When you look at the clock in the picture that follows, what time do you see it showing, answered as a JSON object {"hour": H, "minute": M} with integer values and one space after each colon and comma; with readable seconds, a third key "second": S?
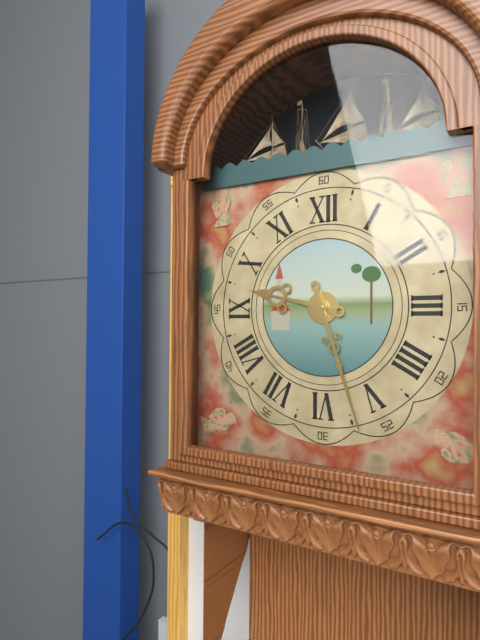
{"hour": 9, "minute": 27}
